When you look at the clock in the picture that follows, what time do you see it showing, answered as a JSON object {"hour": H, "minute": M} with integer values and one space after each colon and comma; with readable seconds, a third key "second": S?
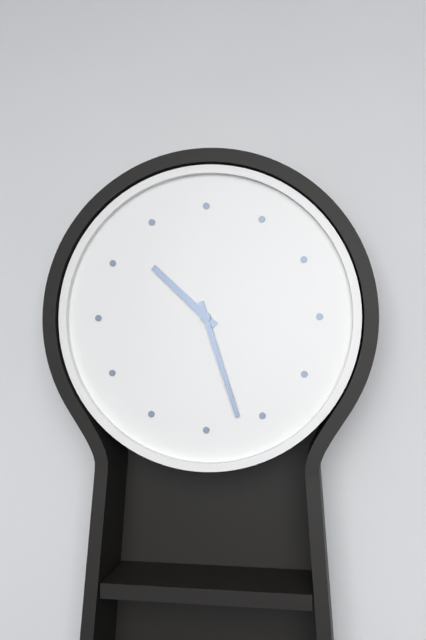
{"hour": 10, "minute": 27}
